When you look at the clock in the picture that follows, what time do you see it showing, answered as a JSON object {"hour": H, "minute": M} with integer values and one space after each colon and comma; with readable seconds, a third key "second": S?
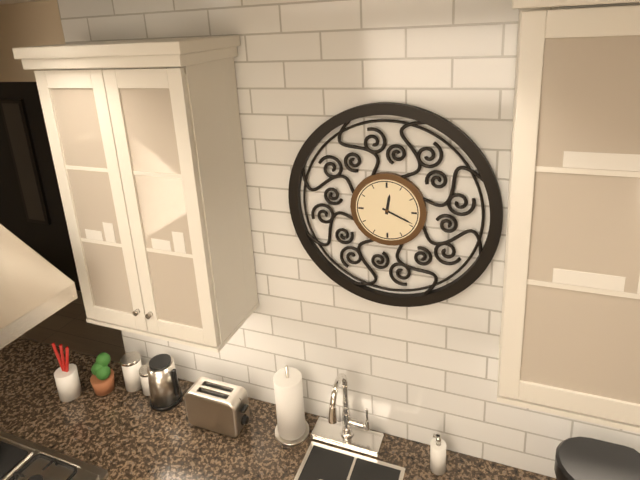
{"hour": 12, "minute": 19}
